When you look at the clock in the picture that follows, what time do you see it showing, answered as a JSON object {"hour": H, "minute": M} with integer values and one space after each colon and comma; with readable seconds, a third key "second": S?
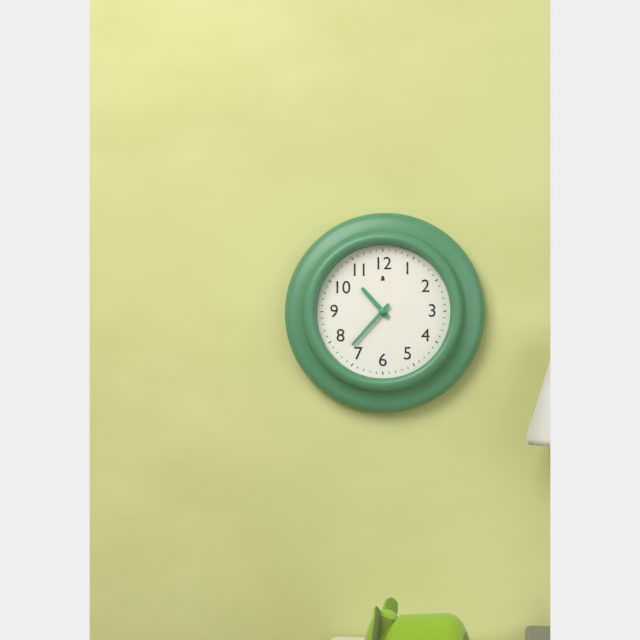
{"hour": 10, "minute": 37}
